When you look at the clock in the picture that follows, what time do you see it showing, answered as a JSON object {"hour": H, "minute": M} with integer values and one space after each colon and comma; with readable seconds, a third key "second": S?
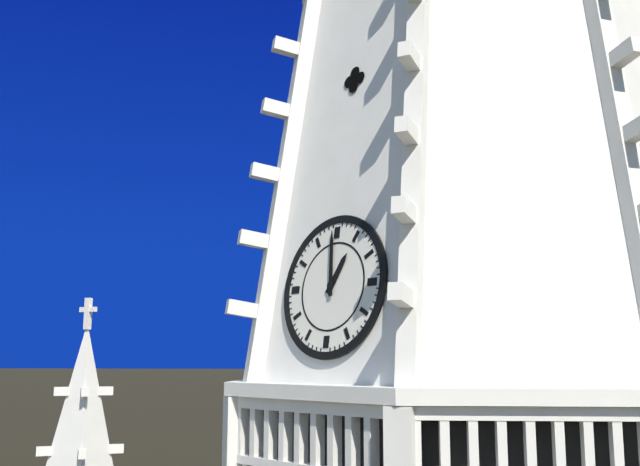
{"hour": 12, "minute": 59}
